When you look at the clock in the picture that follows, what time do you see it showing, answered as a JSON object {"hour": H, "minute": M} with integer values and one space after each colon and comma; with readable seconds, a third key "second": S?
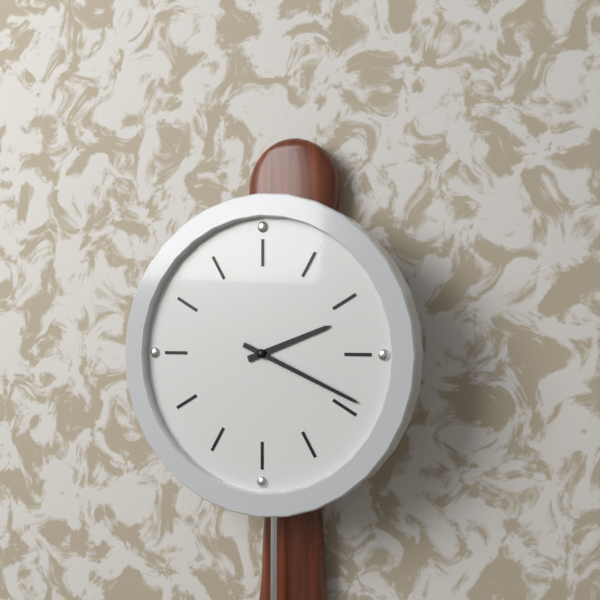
{"hour": 2, "minute": 19}
